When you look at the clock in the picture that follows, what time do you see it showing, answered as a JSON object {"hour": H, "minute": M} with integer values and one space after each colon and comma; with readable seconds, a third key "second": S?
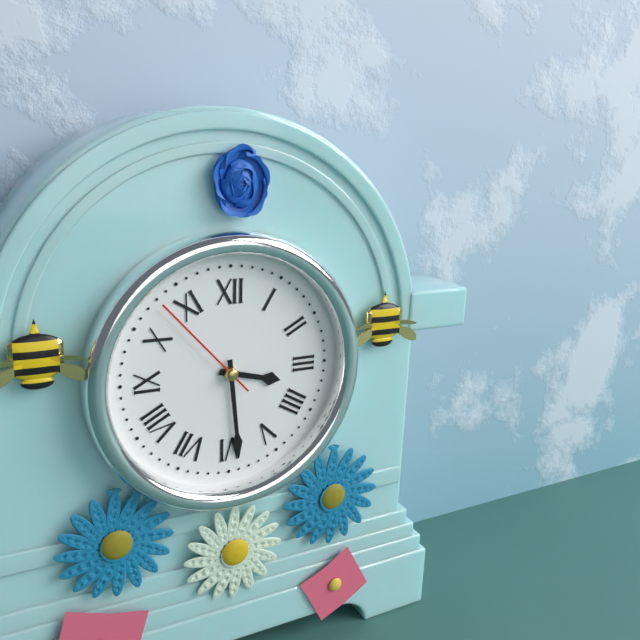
{"hour": 3, "minute": 29, "second": 53}
